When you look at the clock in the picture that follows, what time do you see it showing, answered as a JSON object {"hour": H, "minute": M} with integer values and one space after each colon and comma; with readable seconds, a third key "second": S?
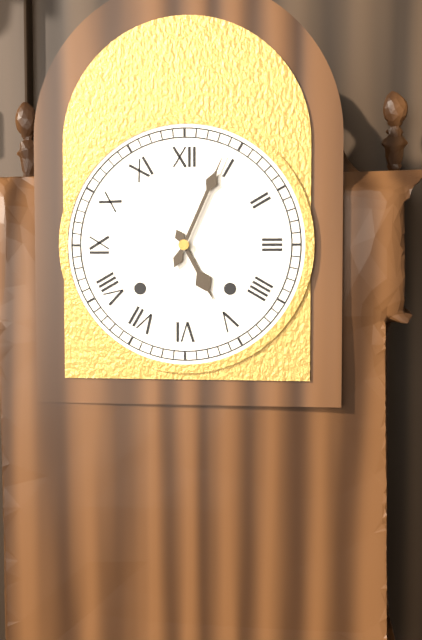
{"hour": 5, "minute": 4}
